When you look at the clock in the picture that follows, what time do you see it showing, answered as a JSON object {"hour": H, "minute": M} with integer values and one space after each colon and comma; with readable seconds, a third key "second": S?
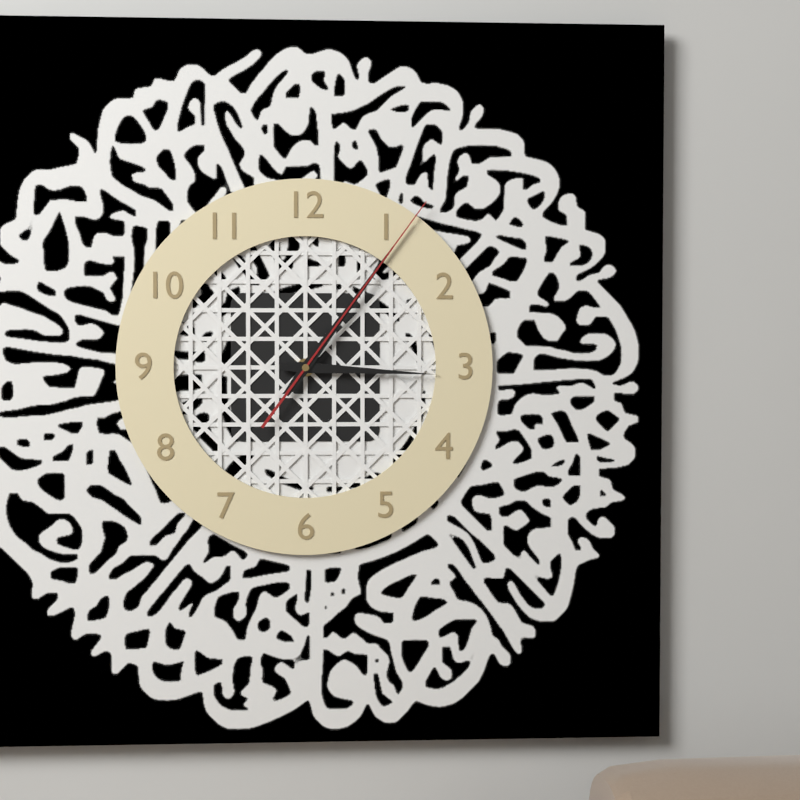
{"hour": 3, "minute": 6, "second": 6}
